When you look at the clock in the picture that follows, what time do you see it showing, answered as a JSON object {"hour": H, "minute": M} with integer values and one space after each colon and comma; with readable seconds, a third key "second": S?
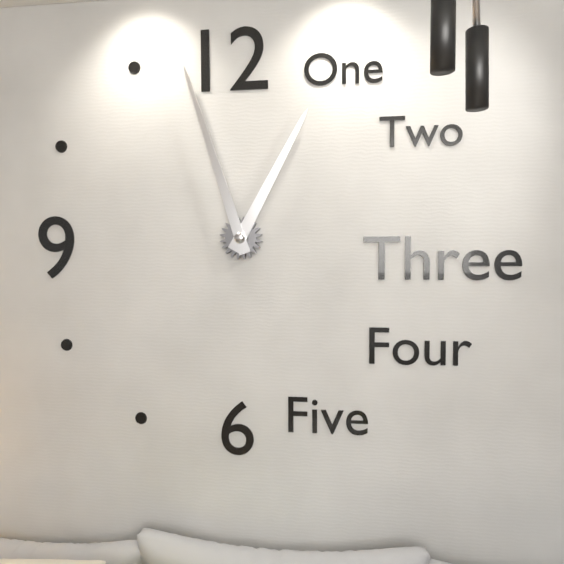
{"hour": 12, "minute": 57}
